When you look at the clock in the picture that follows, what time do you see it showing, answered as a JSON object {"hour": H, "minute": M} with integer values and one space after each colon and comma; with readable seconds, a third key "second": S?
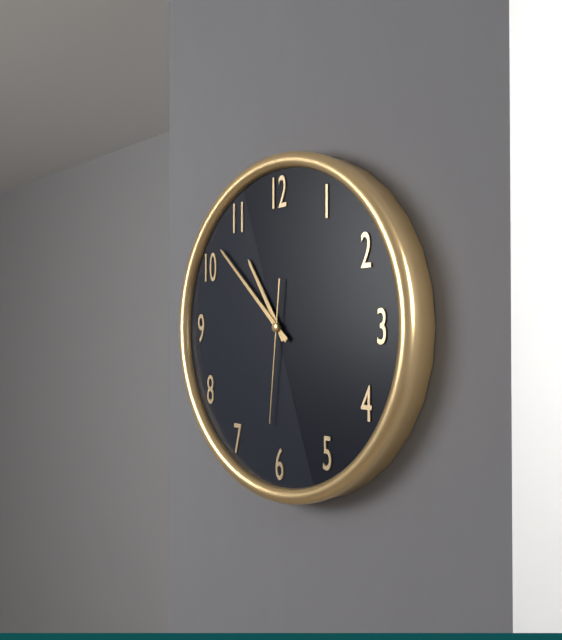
{"hour": 10, "minute": 52, "second": 31}
